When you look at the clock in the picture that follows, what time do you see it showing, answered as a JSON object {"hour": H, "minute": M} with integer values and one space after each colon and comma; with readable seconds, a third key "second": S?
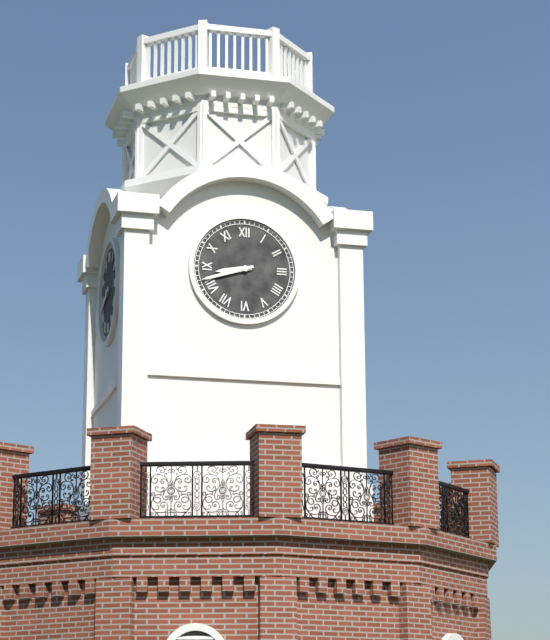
{"hour": 8, "minute": 42}
